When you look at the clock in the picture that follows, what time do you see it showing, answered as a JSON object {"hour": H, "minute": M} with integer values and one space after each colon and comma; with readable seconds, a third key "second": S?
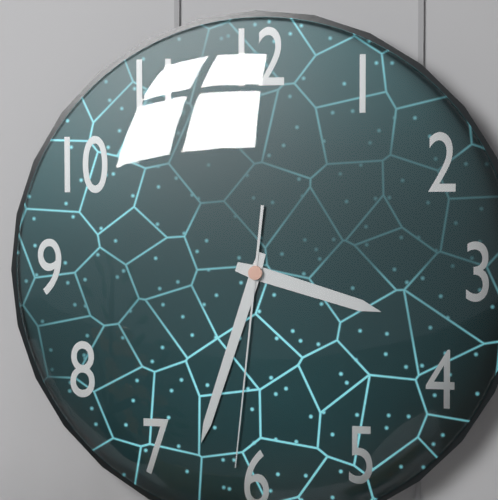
{"hour": 3, "minute": 33, "second": 31}
